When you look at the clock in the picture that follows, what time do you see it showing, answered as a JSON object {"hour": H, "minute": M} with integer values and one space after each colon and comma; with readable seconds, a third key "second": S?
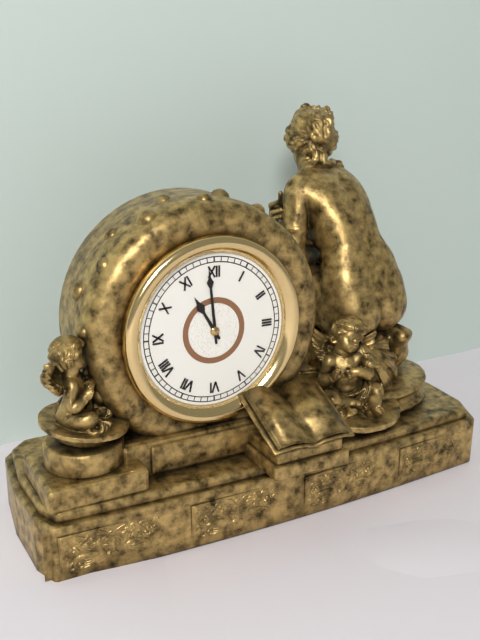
{"hour": 10, "minute": 59}
